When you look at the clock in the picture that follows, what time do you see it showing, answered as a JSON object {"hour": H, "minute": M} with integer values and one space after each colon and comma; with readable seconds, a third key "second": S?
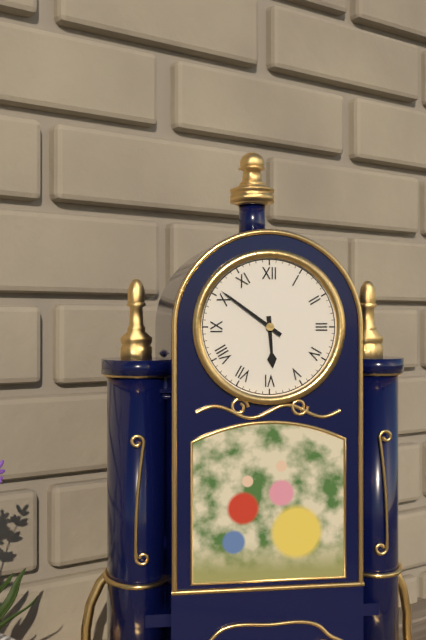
{"hour": 5, "minute": 51}
